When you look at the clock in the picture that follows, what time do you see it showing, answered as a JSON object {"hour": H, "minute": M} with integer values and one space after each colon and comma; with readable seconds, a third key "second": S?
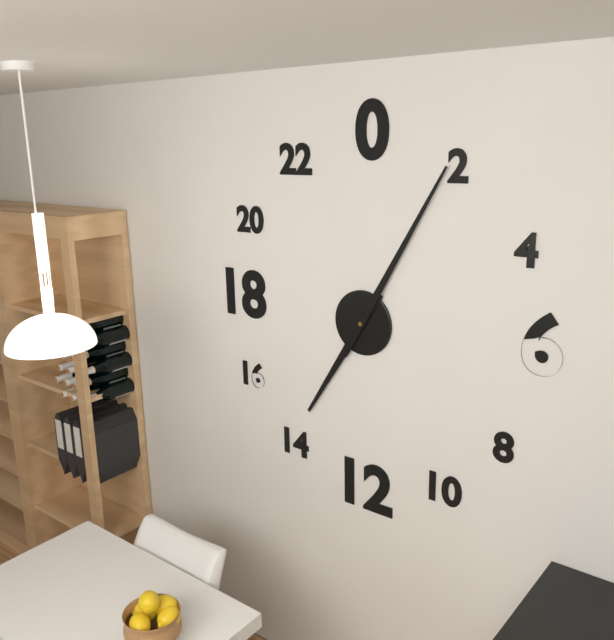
{"hour": 7, "minute": 5}
